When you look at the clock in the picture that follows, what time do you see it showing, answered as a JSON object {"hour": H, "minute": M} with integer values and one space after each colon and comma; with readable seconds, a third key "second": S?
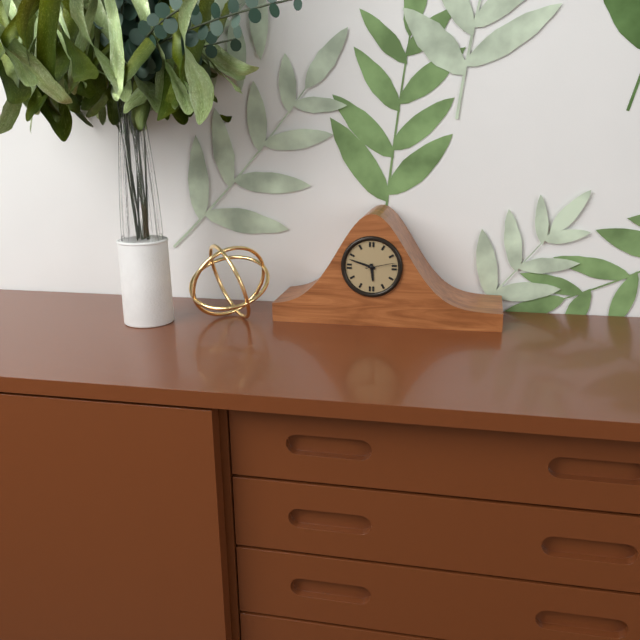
{"hour": 5, "minute": 48}
